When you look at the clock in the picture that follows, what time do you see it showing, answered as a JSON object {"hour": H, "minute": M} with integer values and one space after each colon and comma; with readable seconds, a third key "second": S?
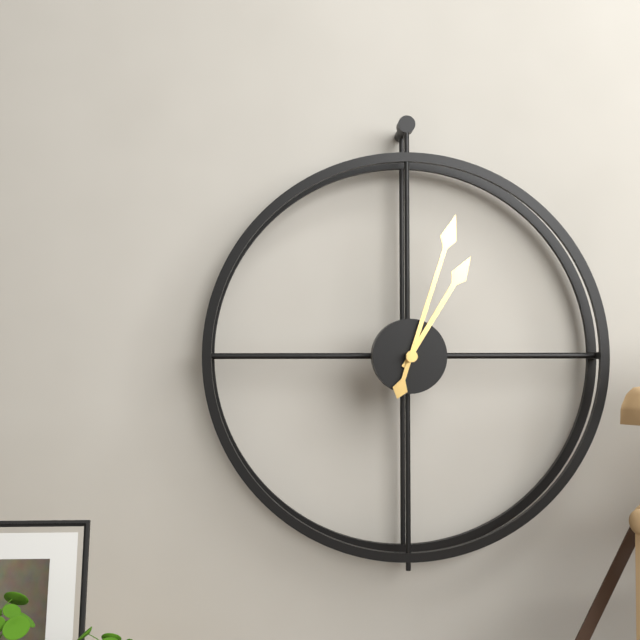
{"hour": 1, "minute": 3}
